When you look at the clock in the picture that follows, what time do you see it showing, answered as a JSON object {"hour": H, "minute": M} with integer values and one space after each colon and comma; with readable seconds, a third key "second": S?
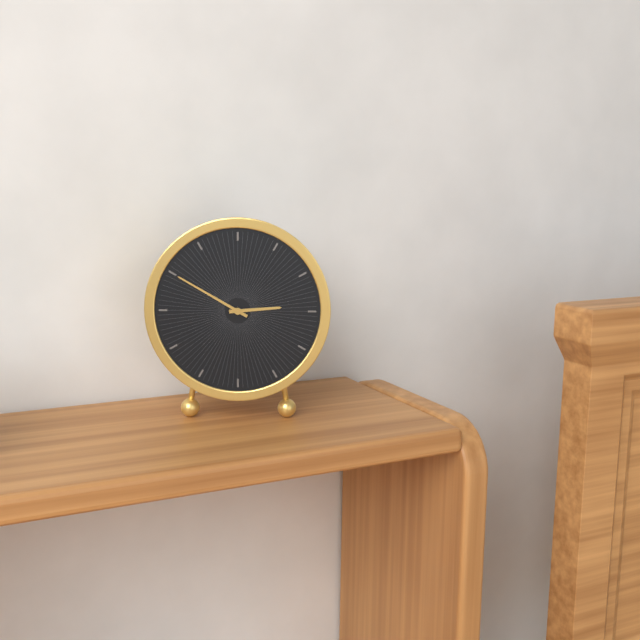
{"hour": 2, "minute": 50}
